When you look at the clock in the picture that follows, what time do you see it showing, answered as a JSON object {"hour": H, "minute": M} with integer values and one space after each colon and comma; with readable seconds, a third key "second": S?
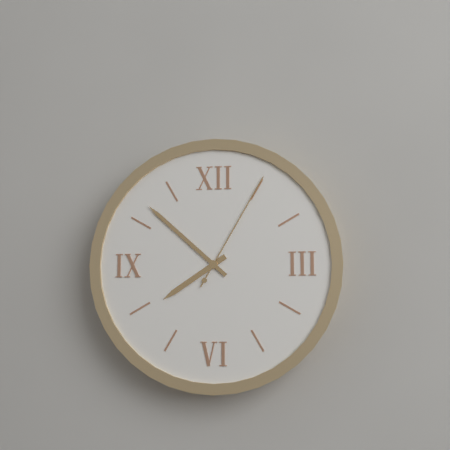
{"hour": 7, "minute": 52, "second": 5}
